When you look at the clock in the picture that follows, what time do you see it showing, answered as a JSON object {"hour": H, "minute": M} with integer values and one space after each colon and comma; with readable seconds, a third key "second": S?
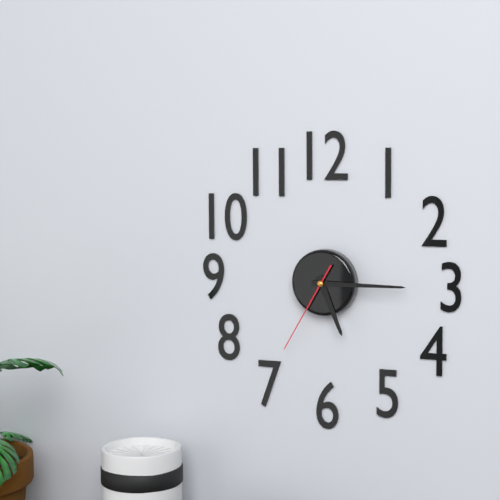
{"hour": 5, "minute": 15, "second": 35}
